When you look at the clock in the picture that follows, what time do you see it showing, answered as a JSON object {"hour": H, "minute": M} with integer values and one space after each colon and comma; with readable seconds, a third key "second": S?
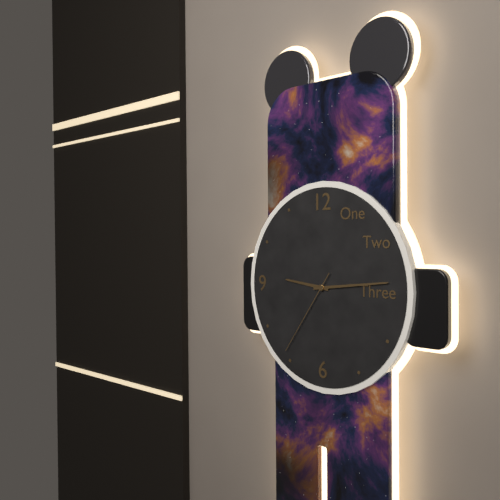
{"hour": 9, "minute": 14, "second": 36}
